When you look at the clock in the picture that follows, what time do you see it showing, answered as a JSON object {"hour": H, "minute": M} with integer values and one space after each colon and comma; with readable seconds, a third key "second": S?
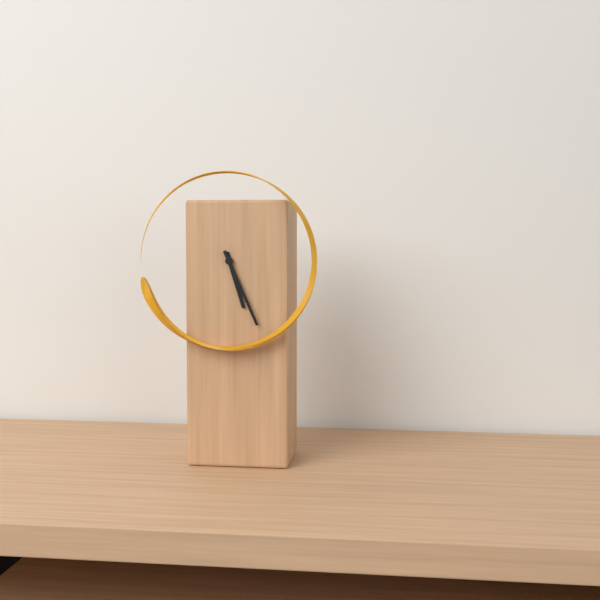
{"hour": 5, "minute": 26}
